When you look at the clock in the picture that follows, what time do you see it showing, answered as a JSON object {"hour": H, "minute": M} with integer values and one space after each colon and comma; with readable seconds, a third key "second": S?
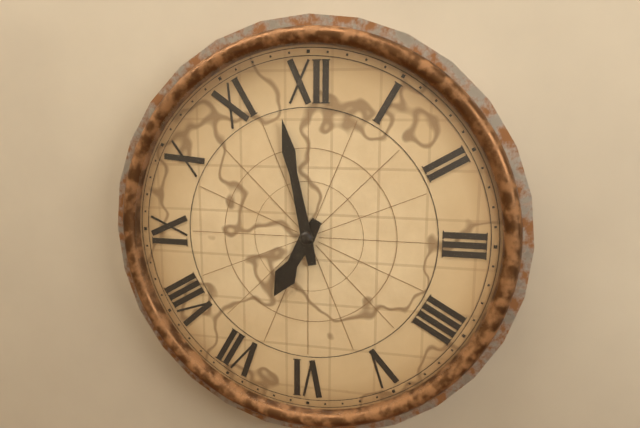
{"hour": 6, "minute": 58}
